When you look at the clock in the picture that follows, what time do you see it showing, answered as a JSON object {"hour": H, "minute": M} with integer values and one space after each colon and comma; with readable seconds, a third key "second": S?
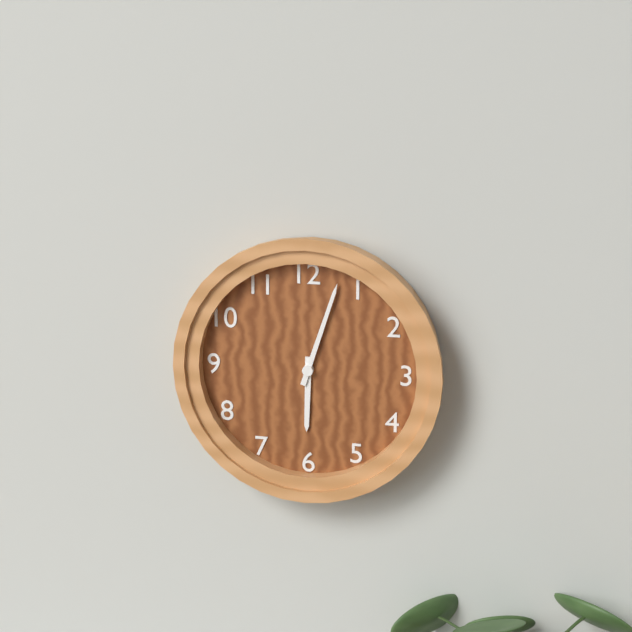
{"hour": 6, "minute": 3}
